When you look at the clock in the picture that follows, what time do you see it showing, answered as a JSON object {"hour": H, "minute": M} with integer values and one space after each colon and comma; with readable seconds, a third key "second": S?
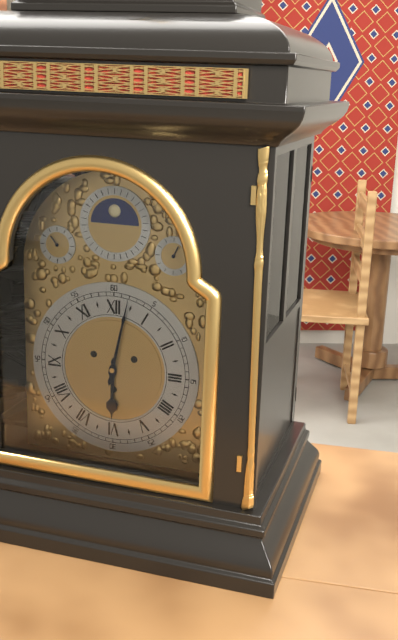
{"hour": 6, "minute": 2}
